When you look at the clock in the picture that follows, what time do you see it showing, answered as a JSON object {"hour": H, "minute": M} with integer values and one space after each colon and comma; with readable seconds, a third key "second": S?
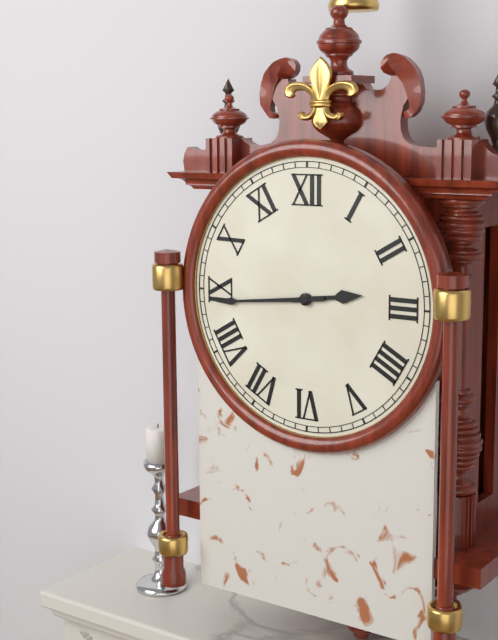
{"hour": 2, "minute": 44}
